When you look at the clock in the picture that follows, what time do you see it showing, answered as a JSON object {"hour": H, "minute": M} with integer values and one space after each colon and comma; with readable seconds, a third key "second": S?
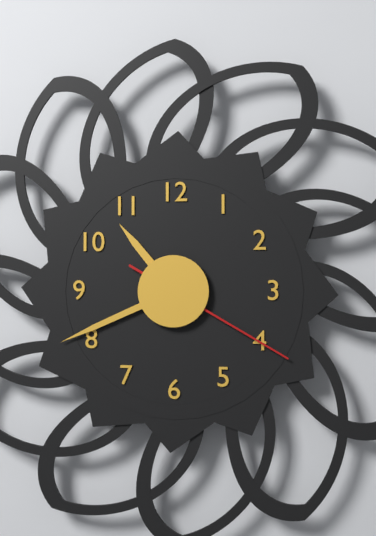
{"hour": 10, "minute": 41, "second": 20}
